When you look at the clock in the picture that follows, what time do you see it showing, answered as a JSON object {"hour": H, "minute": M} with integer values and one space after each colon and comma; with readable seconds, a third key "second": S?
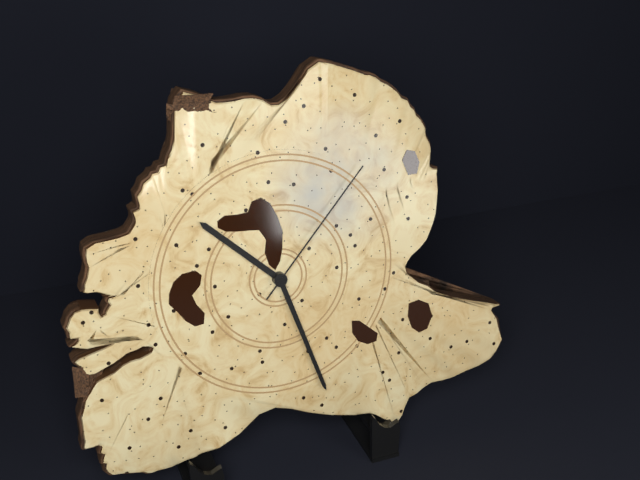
{"hour": 10, "minute": 27, "second": 7}
